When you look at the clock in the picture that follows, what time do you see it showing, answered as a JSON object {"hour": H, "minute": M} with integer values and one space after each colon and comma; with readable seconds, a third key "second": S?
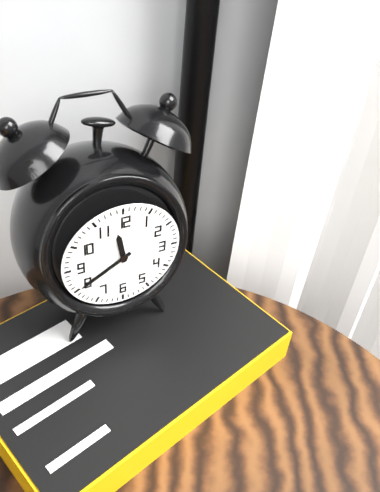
{"hour": 11, "minute": 40}
